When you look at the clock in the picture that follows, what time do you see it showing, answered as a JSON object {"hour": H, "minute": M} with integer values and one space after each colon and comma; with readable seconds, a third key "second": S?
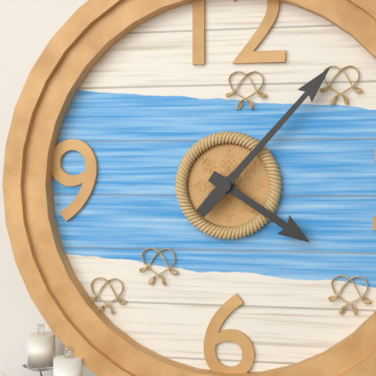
{"hour": 4, "minute": 7}
